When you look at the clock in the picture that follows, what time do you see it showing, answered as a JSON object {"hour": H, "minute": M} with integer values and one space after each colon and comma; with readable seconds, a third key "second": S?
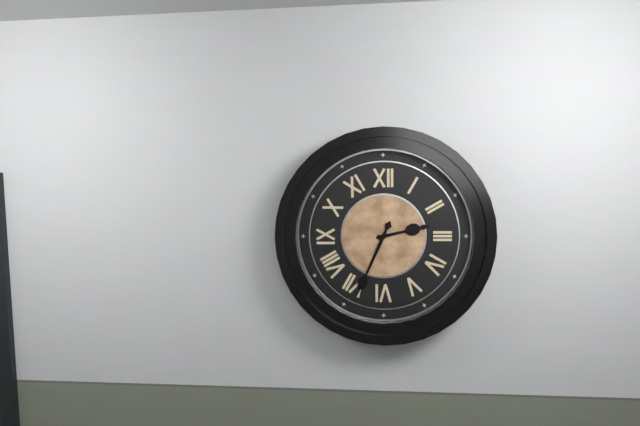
{"hour": 2, "minute": 34}
